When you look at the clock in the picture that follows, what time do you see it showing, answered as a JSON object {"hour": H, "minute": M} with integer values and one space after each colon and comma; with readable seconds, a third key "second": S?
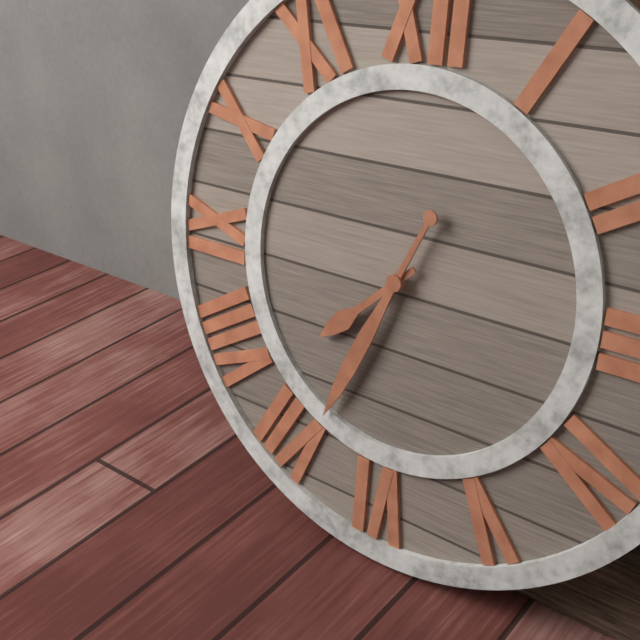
{"hour": 7, "minute": 34}
